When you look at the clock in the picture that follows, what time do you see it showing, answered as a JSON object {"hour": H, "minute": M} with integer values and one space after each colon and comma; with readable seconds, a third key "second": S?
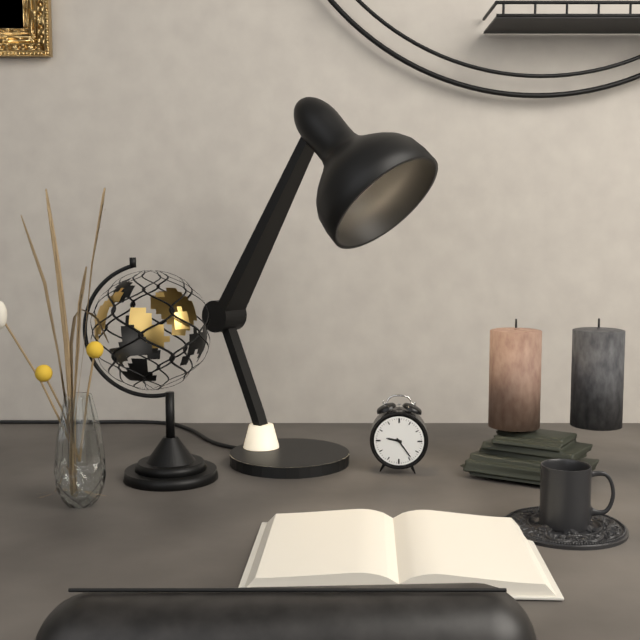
{"hour": 9, "minute": 24}
